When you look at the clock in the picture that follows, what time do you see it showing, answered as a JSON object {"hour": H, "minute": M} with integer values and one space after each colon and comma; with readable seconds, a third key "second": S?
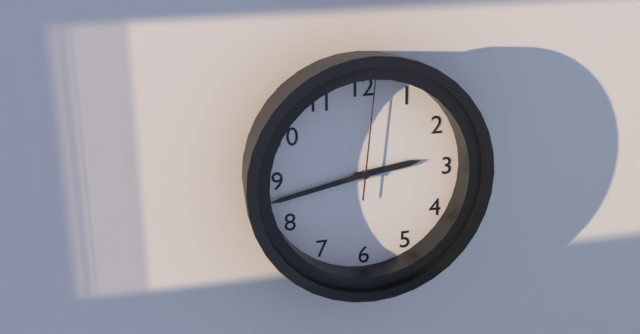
{"hour": 2, "minute": 43, "second": 1}
